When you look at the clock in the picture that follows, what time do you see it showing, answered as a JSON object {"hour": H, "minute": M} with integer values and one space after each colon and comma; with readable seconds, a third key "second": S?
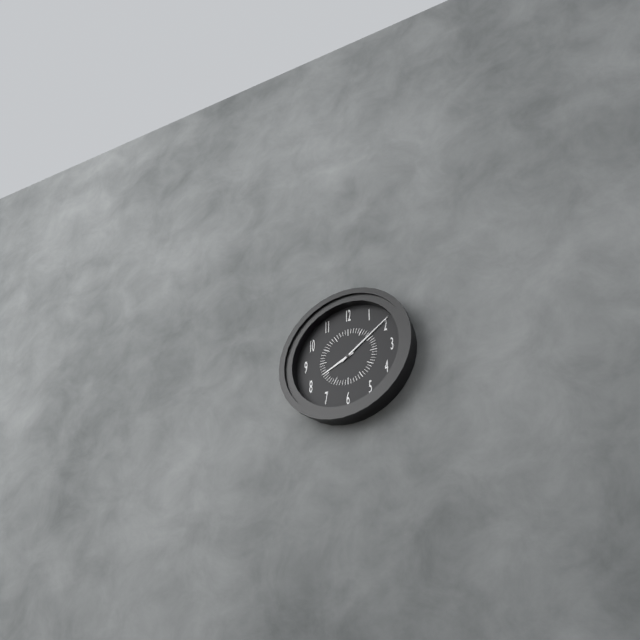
{"hour": 8, "minute": 9}
